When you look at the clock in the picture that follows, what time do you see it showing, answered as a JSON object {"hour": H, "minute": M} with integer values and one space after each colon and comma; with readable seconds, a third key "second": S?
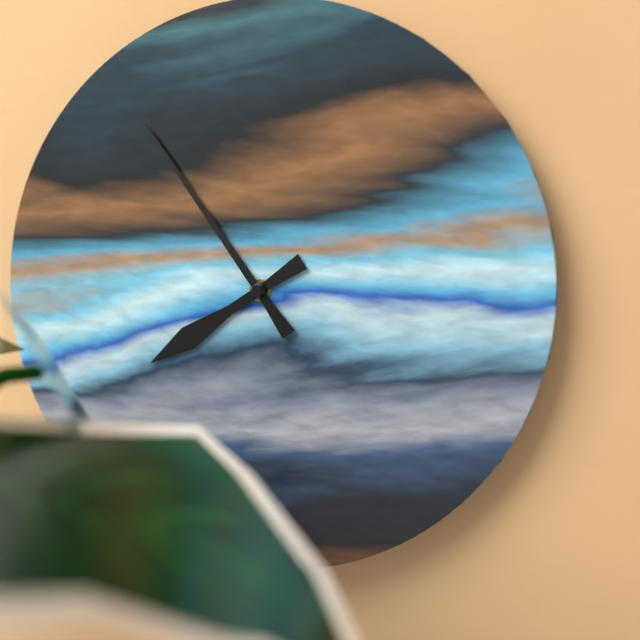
{"hour": 7, "minute": 54}
